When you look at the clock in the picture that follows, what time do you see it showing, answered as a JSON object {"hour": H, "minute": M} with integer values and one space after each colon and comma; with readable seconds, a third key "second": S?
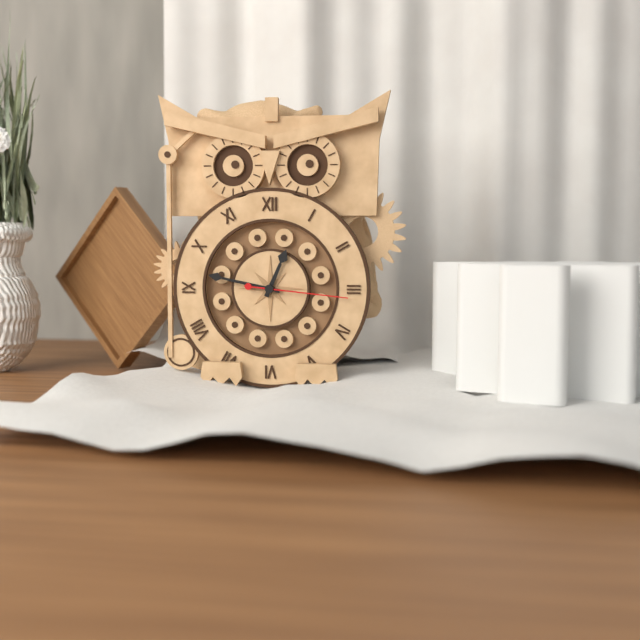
{"hour": 12, "minute": 47, "second": 16}
